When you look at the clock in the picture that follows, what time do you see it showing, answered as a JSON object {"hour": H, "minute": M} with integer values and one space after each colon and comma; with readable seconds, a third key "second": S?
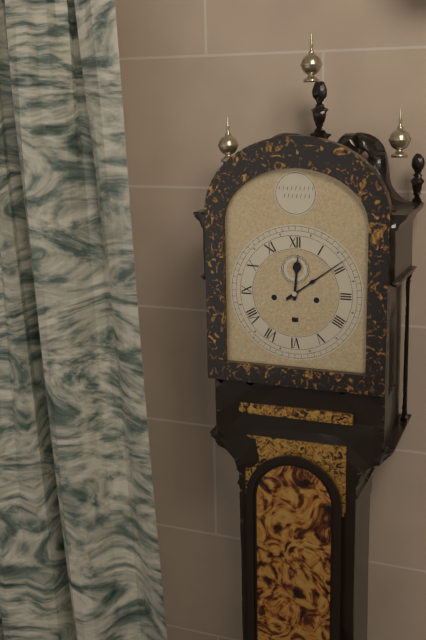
{"hour": 12, "minute": 9}
